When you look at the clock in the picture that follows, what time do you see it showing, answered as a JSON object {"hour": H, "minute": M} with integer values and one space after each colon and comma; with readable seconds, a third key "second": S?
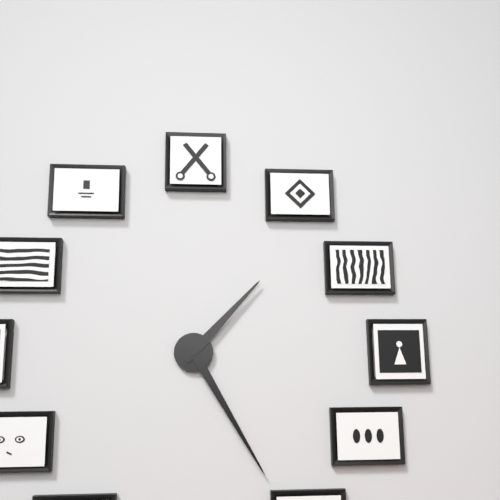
{"hour": 1, "minute": 25}
